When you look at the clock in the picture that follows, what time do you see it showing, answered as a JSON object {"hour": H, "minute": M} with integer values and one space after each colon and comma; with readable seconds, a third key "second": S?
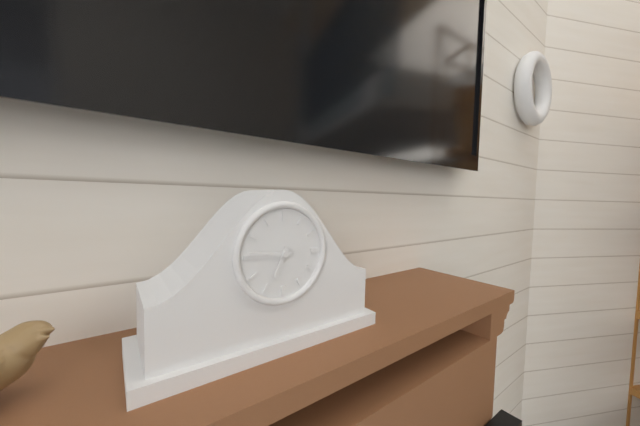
{"hour": 6, "minute": 46}
